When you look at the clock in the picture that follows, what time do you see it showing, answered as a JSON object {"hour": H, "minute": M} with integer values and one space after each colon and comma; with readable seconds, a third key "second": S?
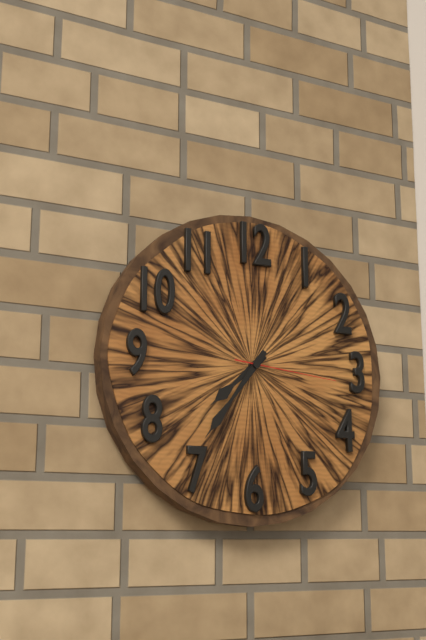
{"hour": 7, "minute": 36, "second": 16}
